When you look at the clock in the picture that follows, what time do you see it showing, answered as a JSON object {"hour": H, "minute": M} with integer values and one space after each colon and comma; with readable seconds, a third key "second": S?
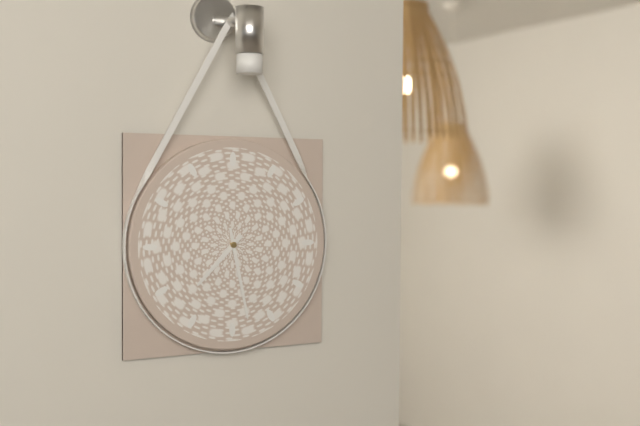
{"hour": 7, "minute": 28}
